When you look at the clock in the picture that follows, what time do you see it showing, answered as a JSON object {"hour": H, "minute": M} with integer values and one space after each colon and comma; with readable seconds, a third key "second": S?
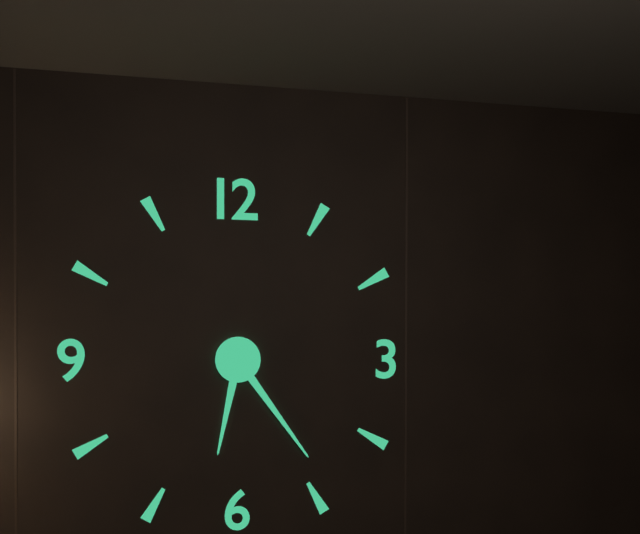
{"hour": 6, "minute": 24}
